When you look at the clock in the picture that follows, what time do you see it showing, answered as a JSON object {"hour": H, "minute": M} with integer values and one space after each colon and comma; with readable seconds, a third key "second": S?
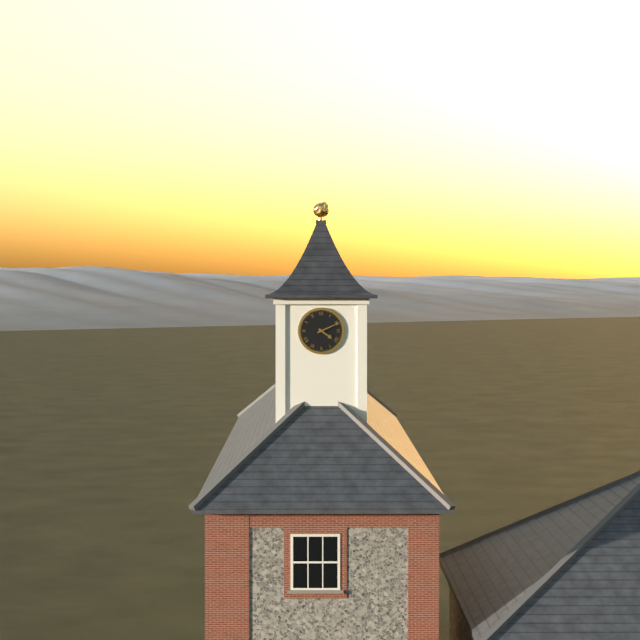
{"hour": 4, "minute": 11}
